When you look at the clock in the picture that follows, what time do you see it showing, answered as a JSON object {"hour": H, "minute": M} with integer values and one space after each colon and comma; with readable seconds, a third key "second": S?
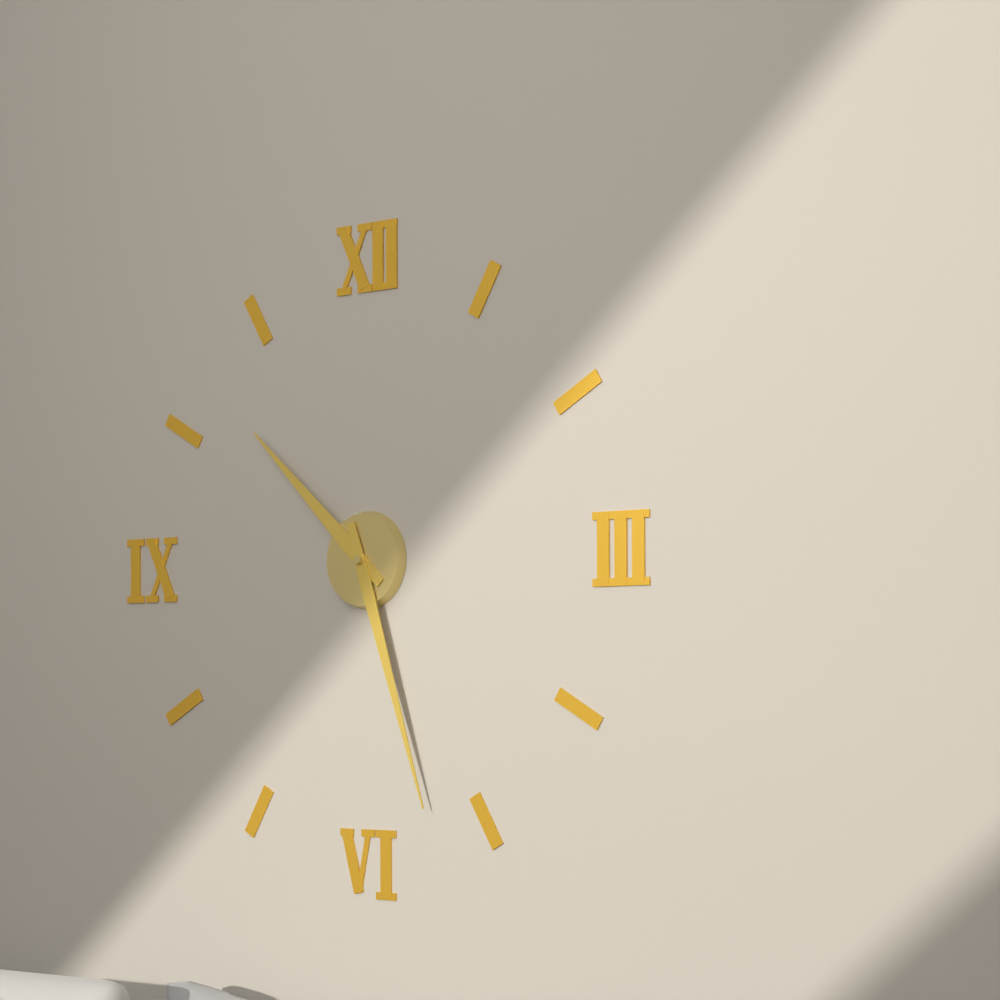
{"hour": 10, "minute": 27}
